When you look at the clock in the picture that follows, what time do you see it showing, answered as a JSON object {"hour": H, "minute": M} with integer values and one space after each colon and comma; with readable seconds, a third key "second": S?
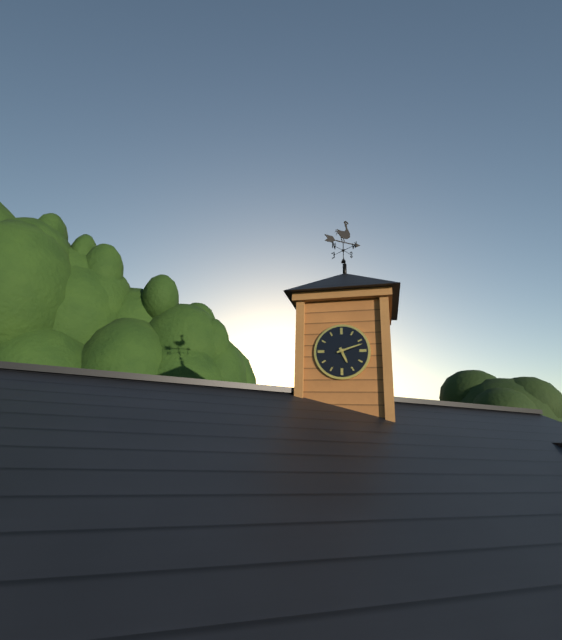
{"hour": 5, "minute": 12}
